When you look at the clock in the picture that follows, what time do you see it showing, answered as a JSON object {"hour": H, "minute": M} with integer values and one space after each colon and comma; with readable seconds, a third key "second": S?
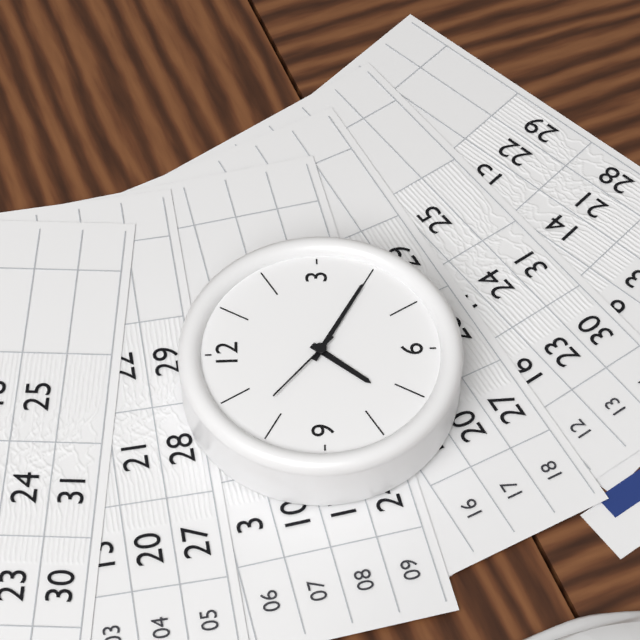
{"hour": 7, "minute": 20, "second": 52}
